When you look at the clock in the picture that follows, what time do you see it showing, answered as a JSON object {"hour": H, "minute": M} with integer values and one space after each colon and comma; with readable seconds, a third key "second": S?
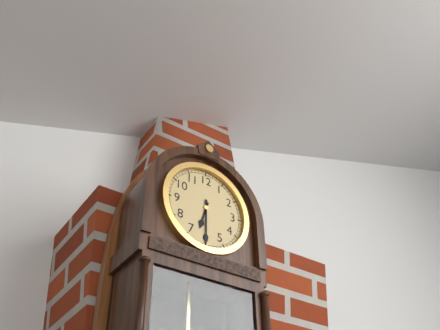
{"hour": 6, "minute": 30}
